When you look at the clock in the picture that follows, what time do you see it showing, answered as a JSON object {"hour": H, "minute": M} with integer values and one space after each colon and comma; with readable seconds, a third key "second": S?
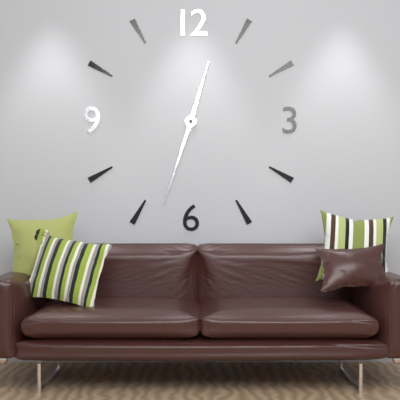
{"hour": 12, "minute": 33}
